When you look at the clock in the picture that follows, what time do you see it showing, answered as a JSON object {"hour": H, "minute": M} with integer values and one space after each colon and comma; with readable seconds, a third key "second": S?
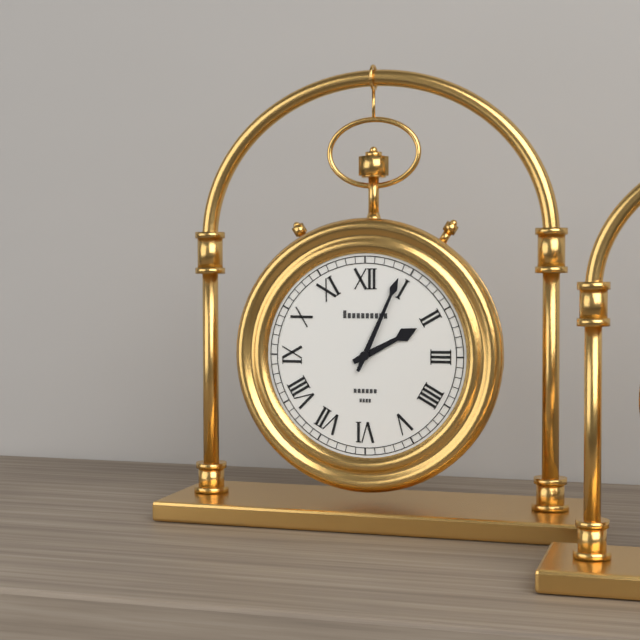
{"hour": 2, "minute": 4}
